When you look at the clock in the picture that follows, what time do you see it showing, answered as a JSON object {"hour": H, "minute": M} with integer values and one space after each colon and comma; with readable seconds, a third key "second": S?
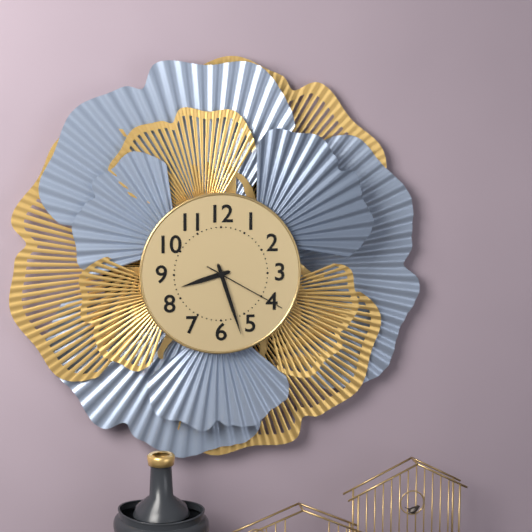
{"hour": 8, "minute": 27, "second": 20}
